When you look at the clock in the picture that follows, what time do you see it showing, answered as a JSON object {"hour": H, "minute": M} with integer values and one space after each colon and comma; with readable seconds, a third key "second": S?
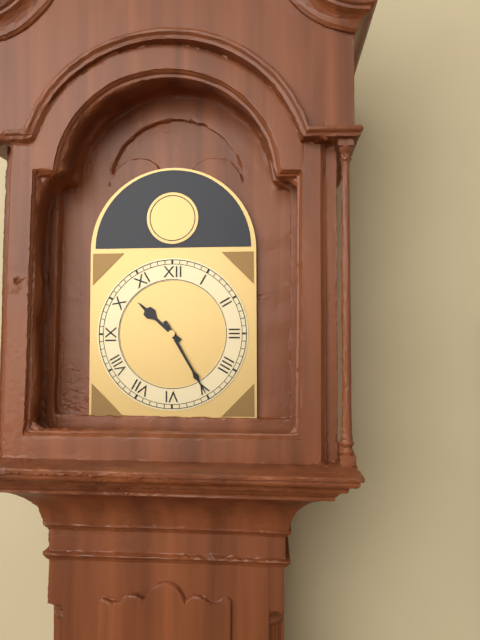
{"hour": 10, "minute": 25}
